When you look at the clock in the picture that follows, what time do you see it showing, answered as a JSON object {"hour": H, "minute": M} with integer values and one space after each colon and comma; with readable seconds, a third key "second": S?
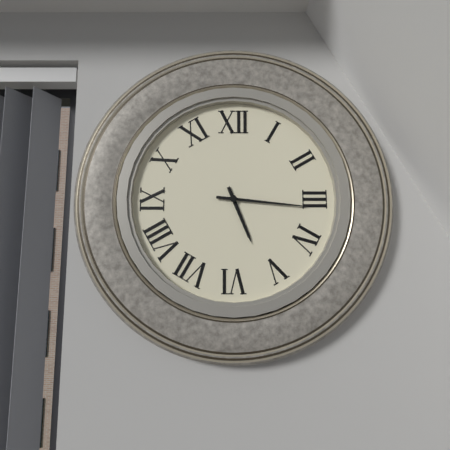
{"hour": 5, "minute": 16}
